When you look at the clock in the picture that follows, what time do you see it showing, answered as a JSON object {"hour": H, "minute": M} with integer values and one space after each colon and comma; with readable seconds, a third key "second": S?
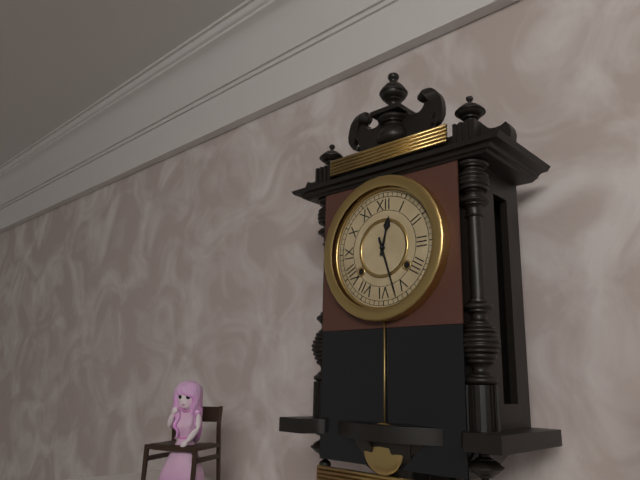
{"hour": 12, "minute": 27}
